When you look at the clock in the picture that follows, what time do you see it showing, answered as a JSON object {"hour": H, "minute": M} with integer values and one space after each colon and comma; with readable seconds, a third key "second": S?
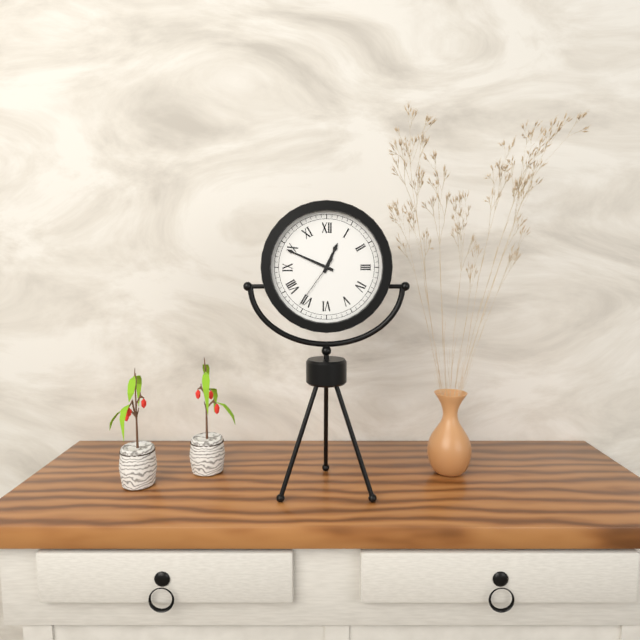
{"hour": 12, "minute": 49, "second": 36}
